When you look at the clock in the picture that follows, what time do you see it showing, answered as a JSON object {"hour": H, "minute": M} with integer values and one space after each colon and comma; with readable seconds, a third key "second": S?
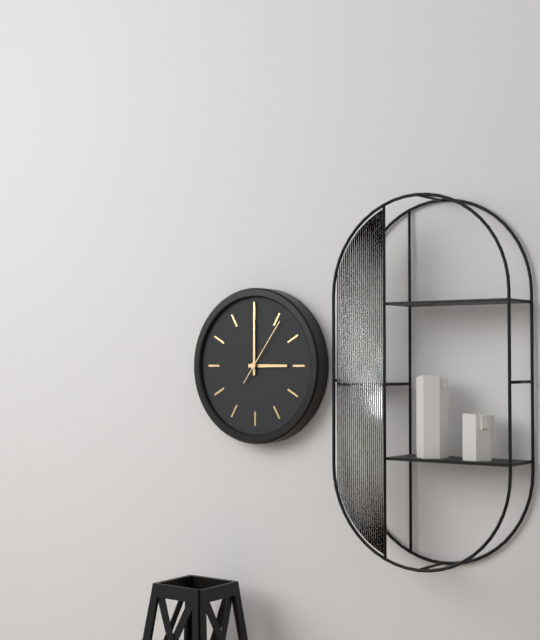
{"hour": 3, "minute": 0, "second": 6}
